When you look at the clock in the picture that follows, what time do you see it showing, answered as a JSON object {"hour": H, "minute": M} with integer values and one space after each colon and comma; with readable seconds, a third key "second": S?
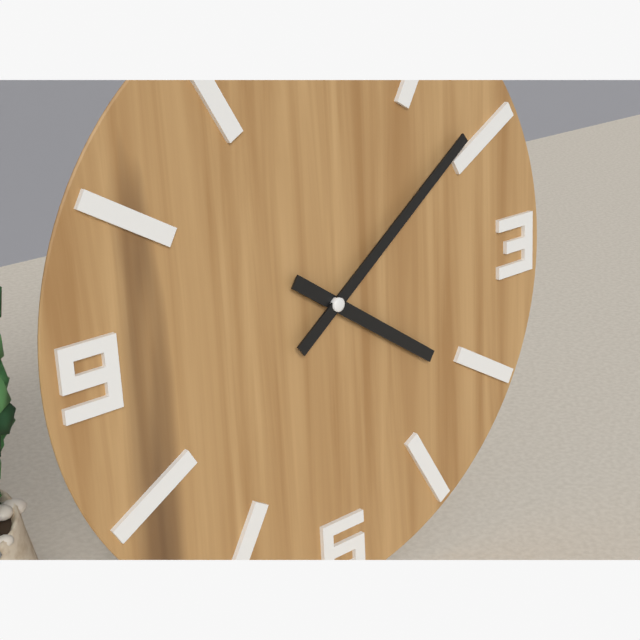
{"hour": 4, "minute": 9}
